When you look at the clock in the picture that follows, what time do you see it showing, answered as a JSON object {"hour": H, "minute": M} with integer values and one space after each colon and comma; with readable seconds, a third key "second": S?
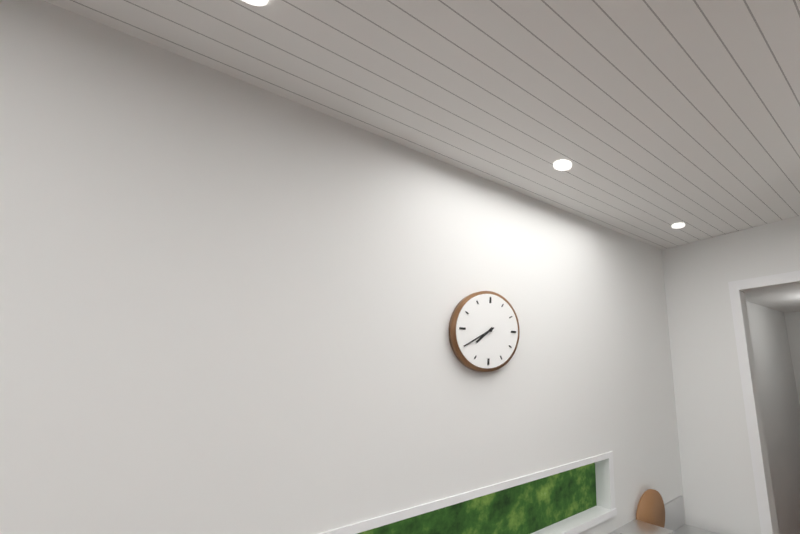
{"hour": 7, "minute": 40}
